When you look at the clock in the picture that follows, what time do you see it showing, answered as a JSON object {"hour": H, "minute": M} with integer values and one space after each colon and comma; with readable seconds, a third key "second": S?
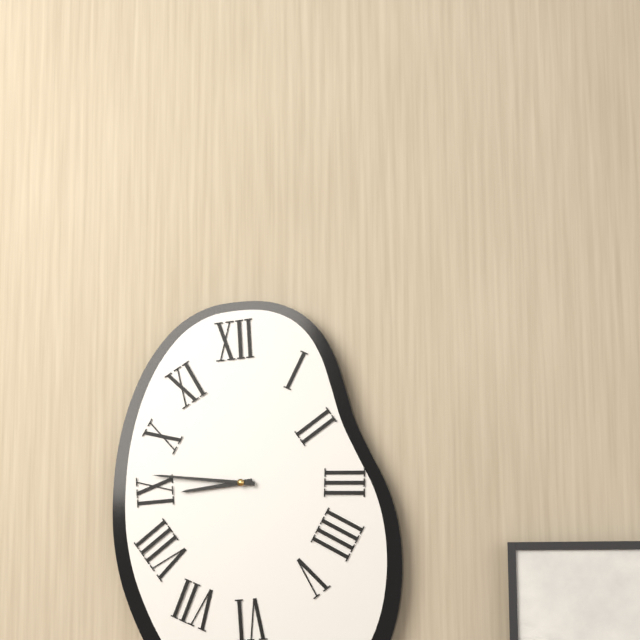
{"hour": 8, "minute": 46}
